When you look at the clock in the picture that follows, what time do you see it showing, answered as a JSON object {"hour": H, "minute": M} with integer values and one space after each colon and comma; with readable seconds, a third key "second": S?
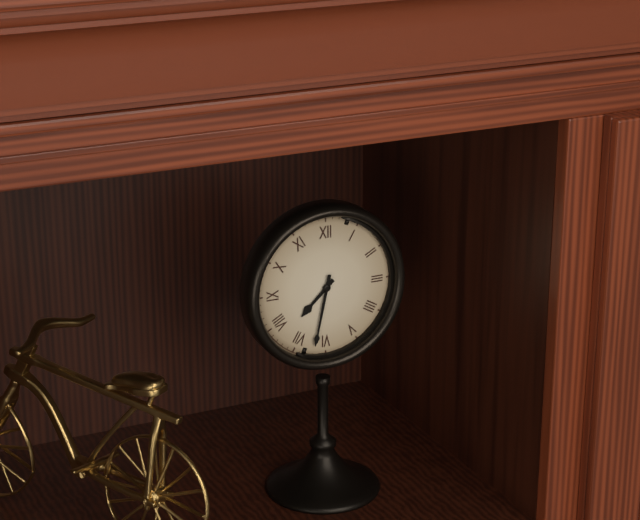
{"hour": 7, "minute": 32}
